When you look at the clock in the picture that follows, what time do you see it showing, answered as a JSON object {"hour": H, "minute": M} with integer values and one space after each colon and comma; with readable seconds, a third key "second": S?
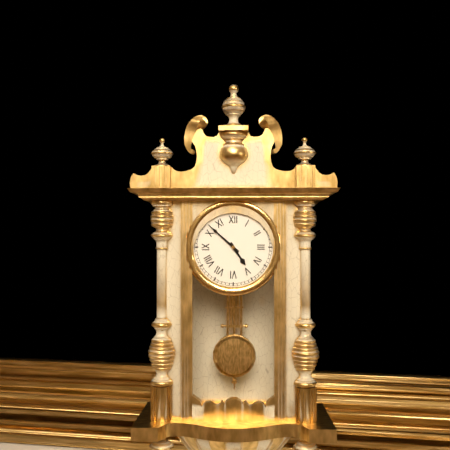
{"hour": 4, "minute": 52}
